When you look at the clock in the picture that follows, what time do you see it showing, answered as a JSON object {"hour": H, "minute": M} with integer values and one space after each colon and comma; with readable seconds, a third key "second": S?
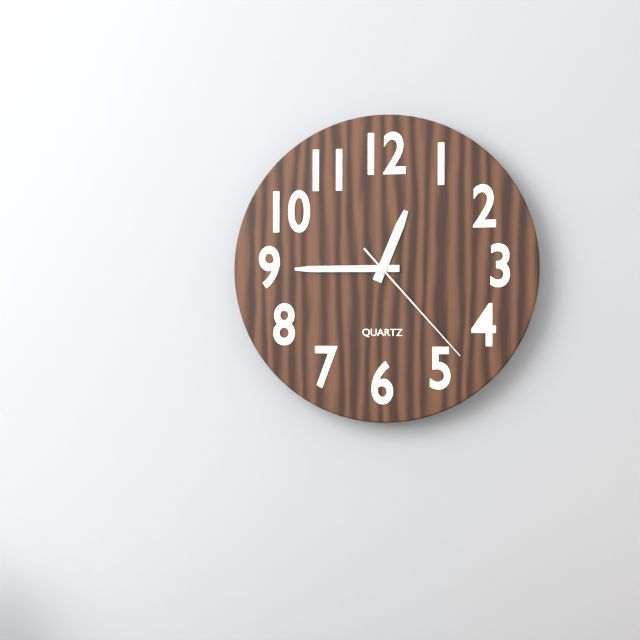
{"hour": 12, "minute": 45, "second": 23}
